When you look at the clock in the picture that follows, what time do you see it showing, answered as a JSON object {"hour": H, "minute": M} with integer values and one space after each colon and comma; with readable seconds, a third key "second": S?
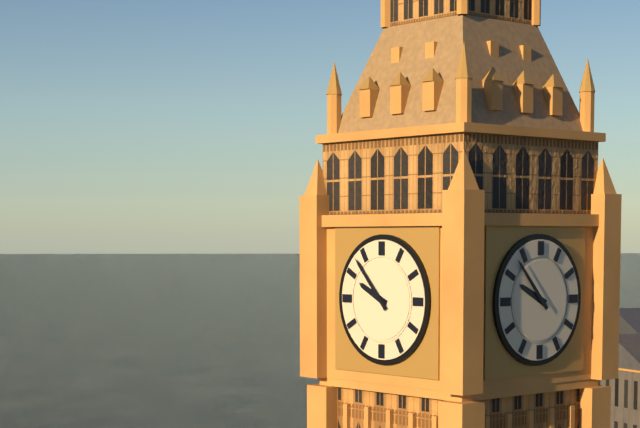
{"hour": 9, "minute": 53}
